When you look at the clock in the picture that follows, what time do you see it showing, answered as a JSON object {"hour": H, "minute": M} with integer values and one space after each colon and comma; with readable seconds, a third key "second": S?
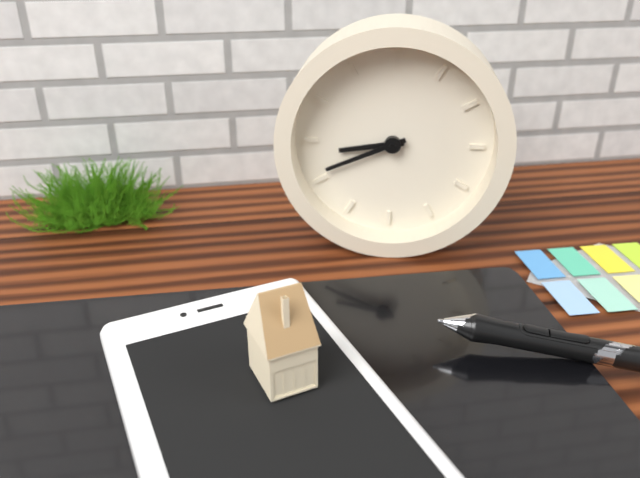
{"hour": 8, "minute": 41}
